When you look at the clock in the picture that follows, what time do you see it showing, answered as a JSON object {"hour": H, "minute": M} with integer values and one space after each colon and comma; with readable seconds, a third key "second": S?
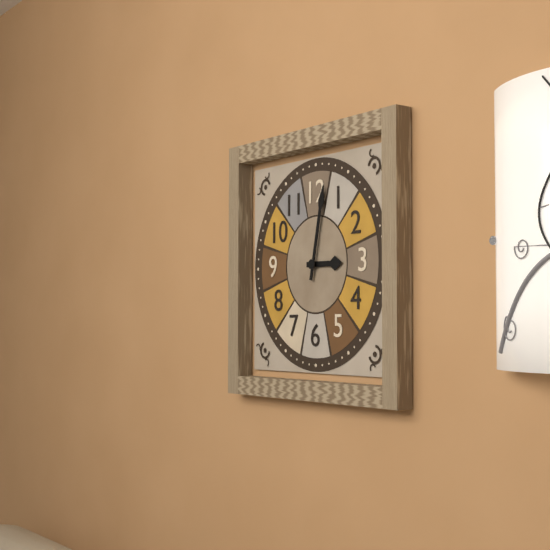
{"hour": 3, "minute": 2}
